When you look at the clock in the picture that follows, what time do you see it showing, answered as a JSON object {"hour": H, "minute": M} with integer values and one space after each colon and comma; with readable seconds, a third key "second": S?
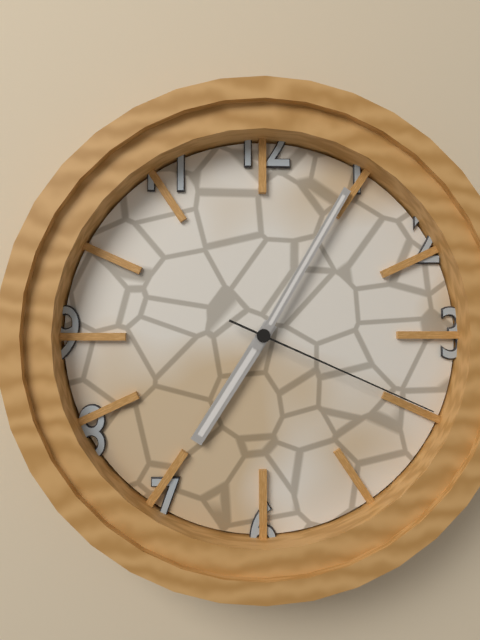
{"hour": 7, "minute": 5, "second": 19}
